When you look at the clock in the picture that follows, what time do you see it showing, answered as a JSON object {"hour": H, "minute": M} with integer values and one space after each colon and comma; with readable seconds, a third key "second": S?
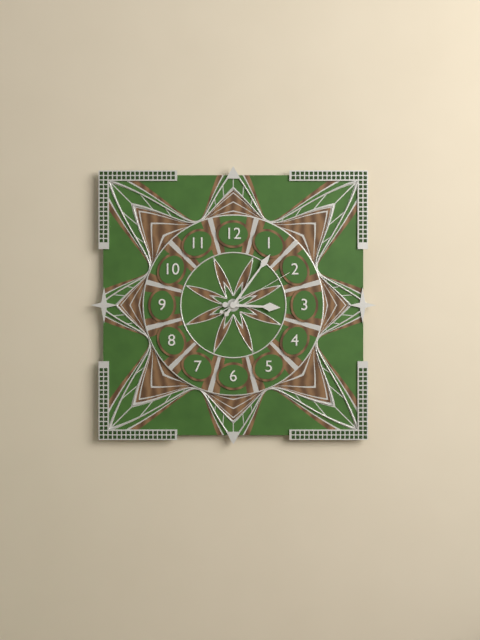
{"hour": 3, "minute": 6, "second": 10}
